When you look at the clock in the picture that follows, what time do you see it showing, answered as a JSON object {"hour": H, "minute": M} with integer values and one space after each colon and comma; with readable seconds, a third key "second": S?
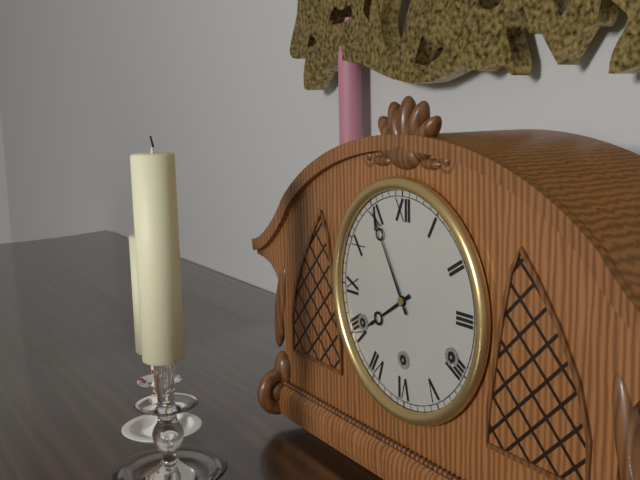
{"hour": 7, "minute": 55}
